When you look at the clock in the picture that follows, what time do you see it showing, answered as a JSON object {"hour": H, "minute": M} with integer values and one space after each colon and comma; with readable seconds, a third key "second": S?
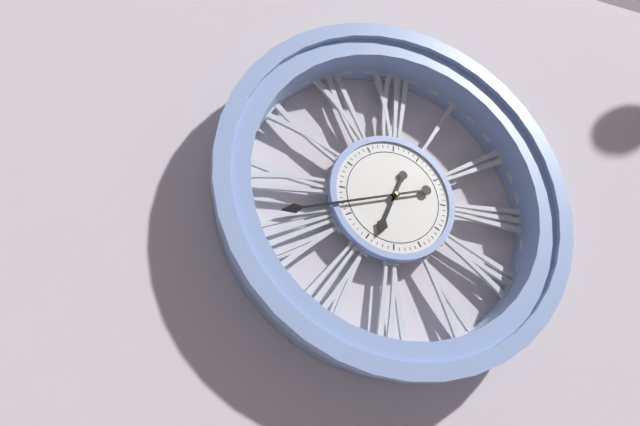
{"hour": 6, "minute": 42}
